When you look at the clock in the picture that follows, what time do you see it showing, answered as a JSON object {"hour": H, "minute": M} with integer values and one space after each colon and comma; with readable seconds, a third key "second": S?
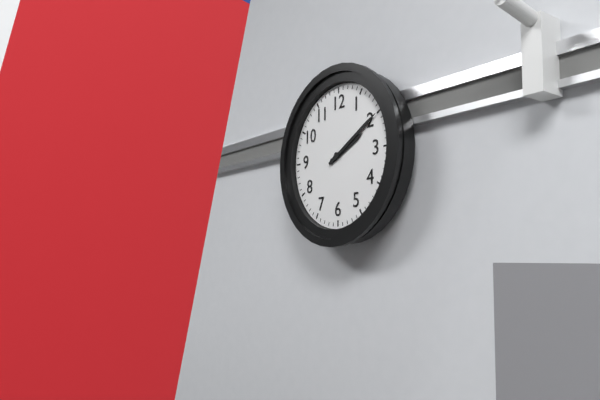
{"hour": 2, "minute": 10}
